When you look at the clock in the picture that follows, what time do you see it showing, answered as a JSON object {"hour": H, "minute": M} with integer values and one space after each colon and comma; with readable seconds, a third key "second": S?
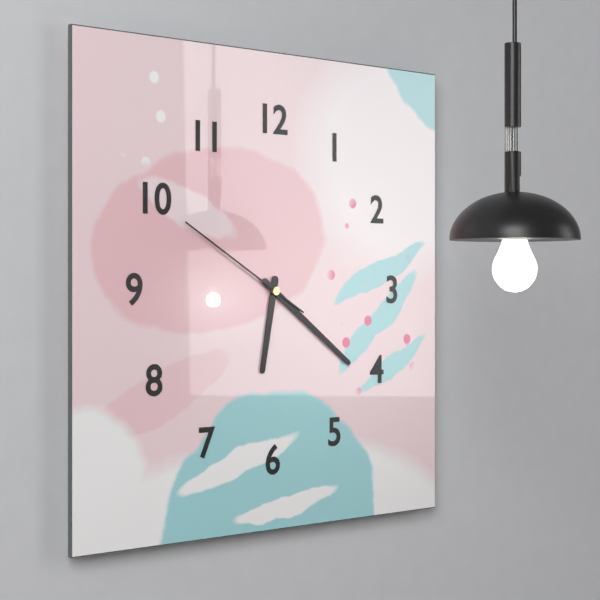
{"hour": 6, "minute": 21, "second": 50}
